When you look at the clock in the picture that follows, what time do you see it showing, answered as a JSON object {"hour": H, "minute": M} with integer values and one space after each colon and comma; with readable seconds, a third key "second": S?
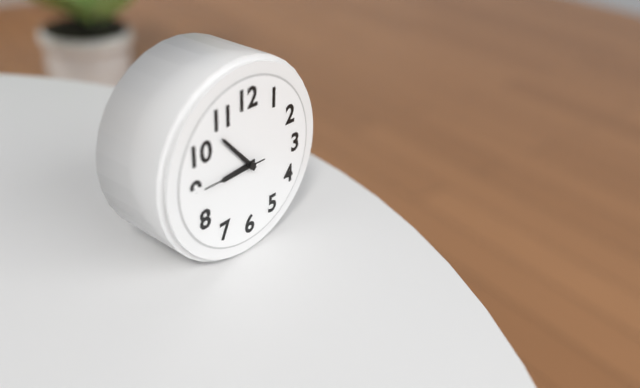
{"hour": 8, "minute": 53, "second": 45}
